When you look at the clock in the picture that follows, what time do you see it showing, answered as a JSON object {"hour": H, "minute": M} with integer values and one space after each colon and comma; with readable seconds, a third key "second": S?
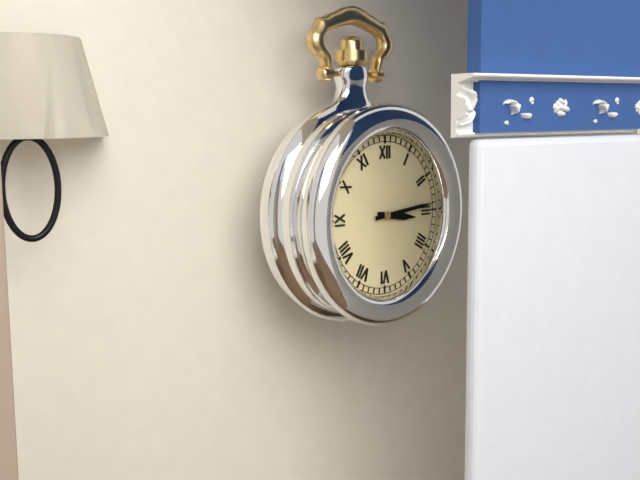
{"hour": 3, "minute": 14}
